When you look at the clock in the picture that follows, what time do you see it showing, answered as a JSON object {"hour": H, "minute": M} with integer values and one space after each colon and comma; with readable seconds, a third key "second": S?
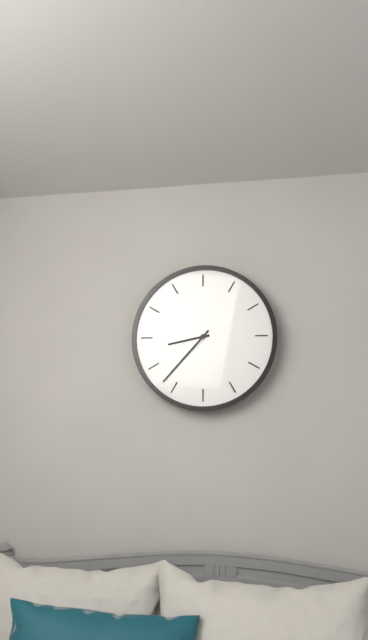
{"hour": 8, "minute": 37}
